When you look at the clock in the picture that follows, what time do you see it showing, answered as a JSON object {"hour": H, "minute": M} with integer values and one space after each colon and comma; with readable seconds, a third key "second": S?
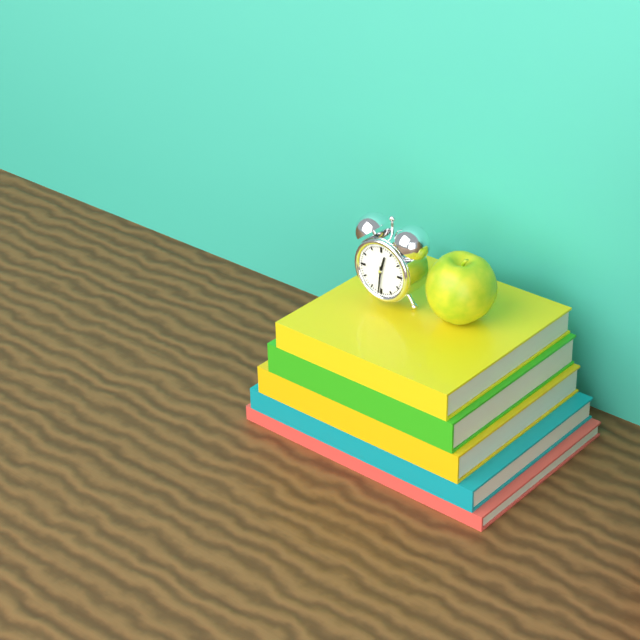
{"hour": 12, "minute": 31}
